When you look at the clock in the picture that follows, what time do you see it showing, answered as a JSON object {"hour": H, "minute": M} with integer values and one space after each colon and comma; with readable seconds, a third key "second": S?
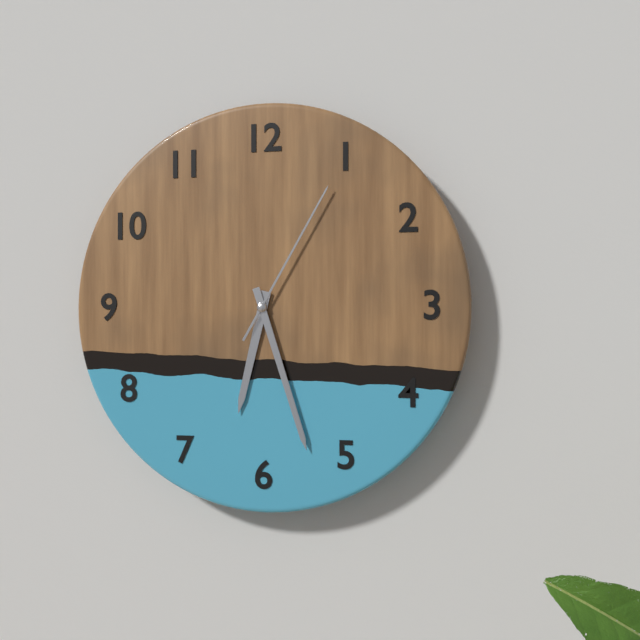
{"hour": 6, "minute": 27, "second": 5}
